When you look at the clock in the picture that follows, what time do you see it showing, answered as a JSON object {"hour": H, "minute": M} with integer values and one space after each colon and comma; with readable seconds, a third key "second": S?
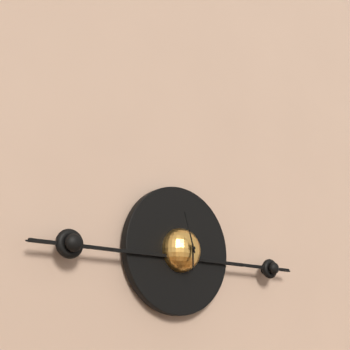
{"hour": 5, "minute": 57}
